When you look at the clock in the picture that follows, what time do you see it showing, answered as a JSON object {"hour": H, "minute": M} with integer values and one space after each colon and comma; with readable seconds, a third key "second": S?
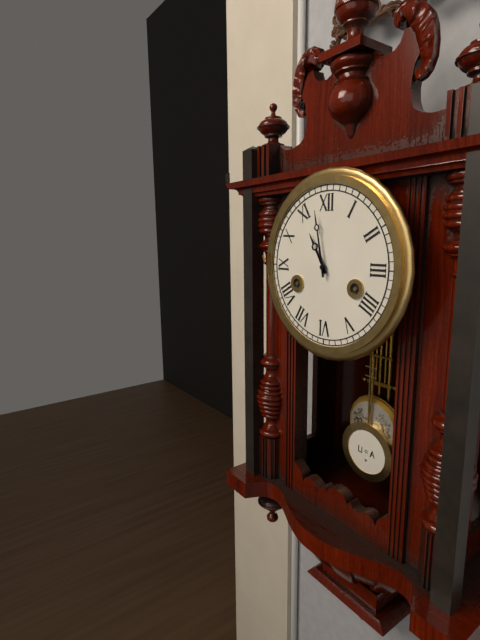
{"hour": 10, "minute": 58}
